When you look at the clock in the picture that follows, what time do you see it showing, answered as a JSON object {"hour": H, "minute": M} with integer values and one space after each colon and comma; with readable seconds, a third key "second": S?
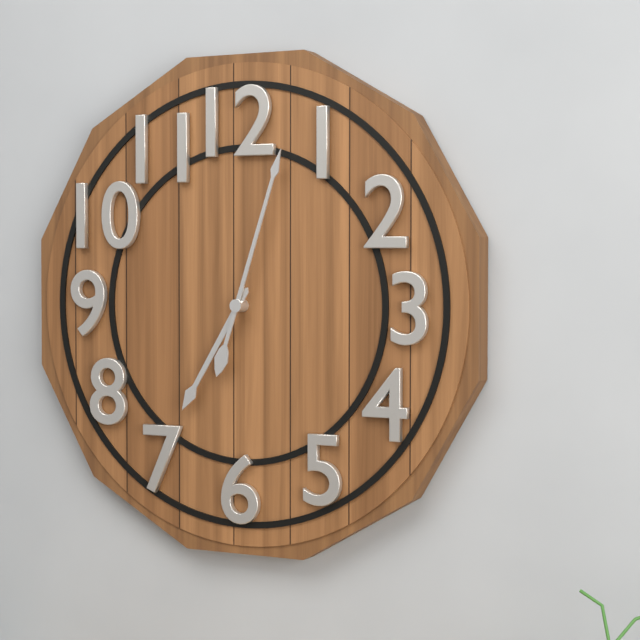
{"hour": 7, "minute": 3}
